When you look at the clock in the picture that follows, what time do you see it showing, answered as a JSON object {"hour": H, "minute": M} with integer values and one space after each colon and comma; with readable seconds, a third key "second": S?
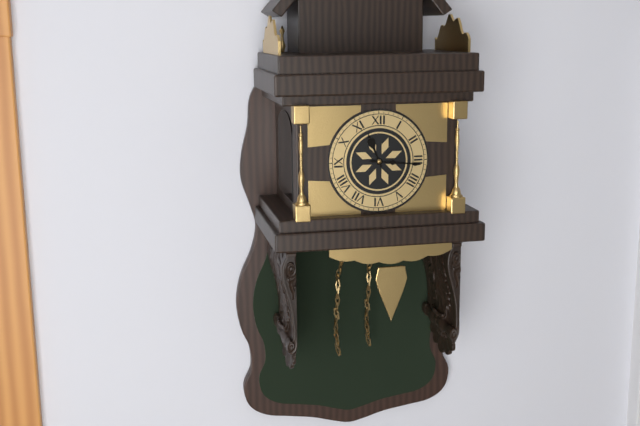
{"hour": 11, "minute": 16}
